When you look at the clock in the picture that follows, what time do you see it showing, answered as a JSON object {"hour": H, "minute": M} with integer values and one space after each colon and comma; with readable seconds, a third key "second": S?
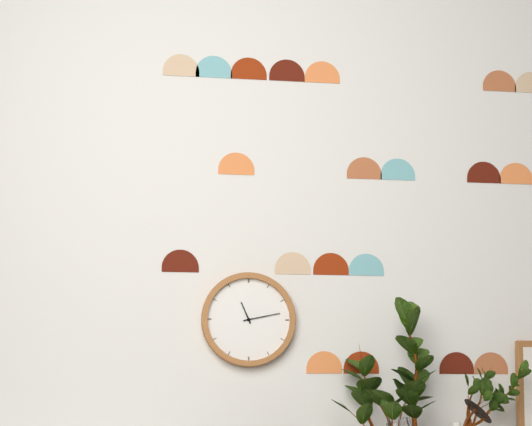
{"hour": 11, "minute": 13}
